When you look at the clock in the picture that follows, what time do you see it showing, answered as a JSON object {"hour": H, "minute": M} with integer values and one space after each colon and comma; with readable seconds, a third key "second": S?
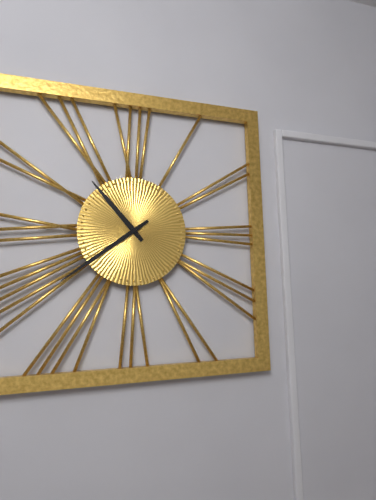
{"hour": 10, "minute": 39}
